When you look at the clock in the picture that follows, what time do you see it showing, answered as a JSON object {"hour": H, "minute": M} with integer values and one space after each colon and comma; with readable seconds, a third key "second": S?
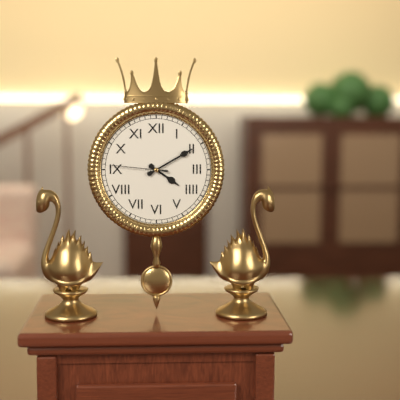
{"hour": 4, "minute": 10, "second": 46}
